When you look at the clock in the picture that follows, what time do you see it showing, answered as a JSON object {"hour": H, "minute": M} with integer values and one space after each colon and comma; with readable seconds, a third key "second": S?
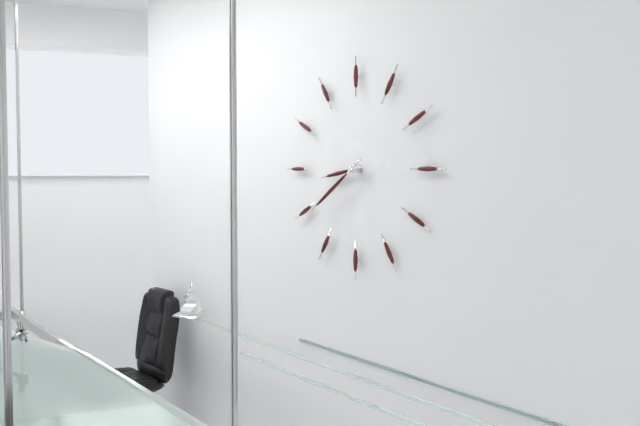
{"hour": 8, "minute": 39}
